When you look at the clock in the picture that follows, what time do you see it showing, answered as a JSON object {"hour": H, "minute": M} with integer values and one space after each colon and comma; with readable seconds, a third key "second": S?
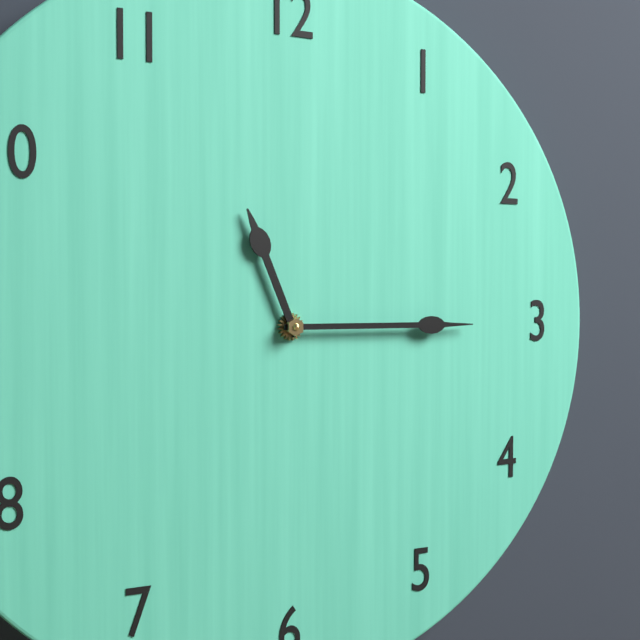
{"hour": 11, "minute": 15}
